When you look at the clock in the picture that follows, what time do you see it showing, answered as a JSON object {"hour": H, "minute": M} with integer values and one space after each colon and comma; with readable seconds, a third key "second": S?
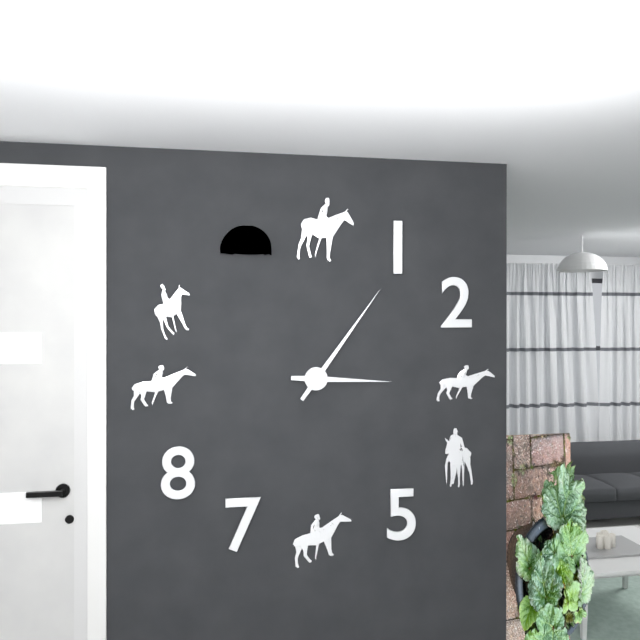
{"hour": 3, "minute": 6}
